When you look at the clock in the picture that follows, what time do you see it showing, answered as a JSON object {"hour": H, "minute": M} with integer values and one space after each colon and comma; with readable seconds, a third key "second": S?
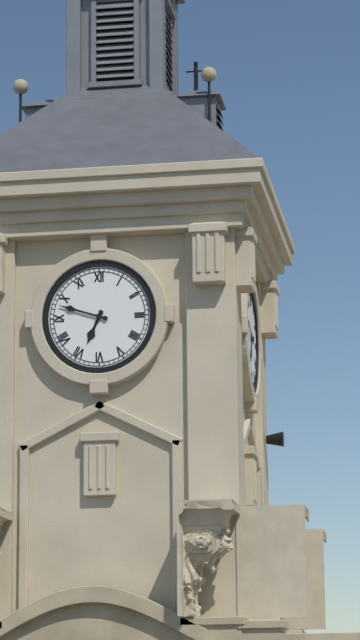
{"hour": 6, "minute": 48}
